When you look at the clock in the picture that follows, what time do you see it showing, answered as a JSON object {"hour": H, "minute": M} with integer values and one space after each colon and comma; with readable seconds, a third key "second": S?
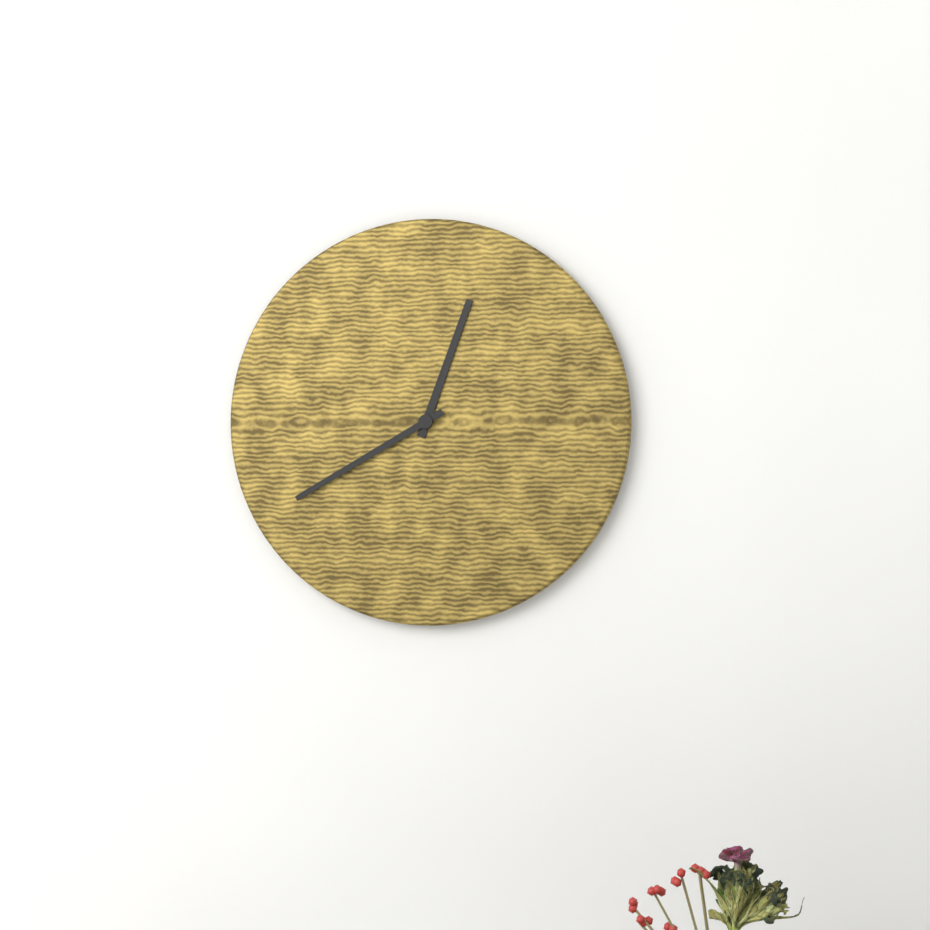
{"hour": 12, "minute": 40}
